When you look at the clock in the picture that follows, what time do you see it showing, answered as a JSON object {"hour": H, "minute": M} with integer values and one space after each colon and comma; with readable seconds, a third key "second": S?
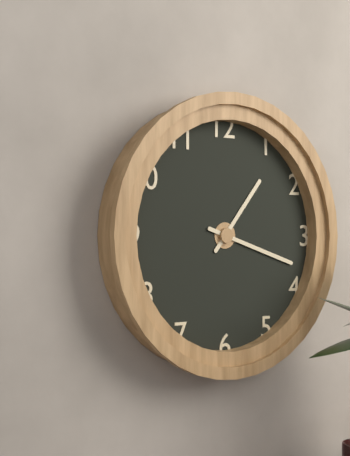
{"hour": 1, "minute": 18}
